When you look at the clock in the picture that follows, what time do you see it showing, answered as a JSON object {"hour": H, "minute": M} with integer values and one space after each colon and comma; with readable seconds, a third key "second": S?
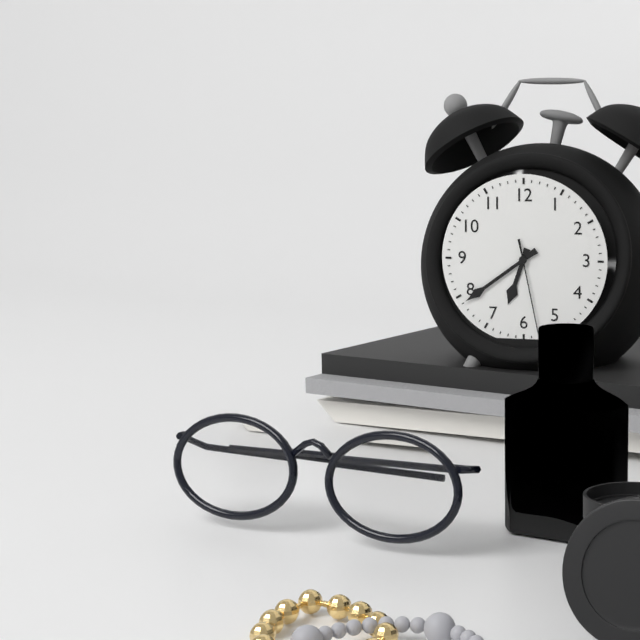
{"hour": 6, "minute": 39, "second": 28}
